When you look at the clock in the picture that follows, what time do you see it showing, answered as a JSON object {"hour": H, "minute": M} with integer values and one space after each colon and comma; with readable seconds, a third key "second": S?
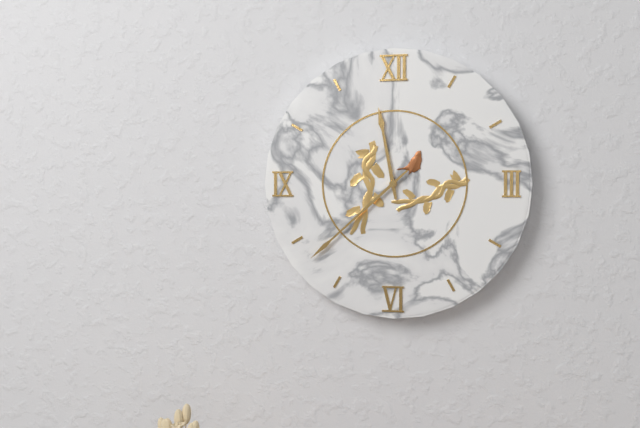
{"hour": 11, "minute": 38}
